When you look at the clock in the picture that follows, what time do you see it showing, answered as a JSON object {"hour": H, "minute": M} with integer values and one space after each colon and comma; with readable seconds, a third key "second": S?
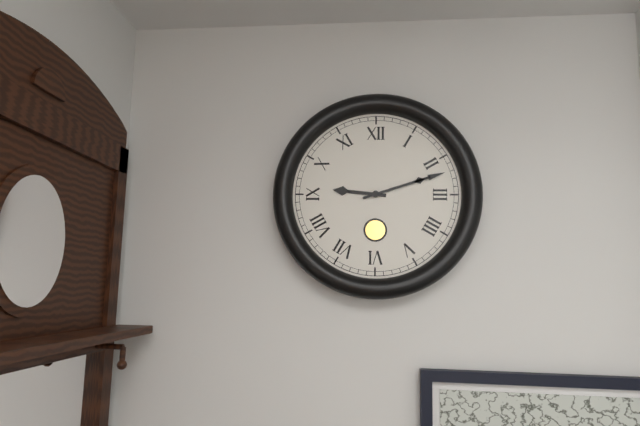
{"hour": 9, "minute": 12}
